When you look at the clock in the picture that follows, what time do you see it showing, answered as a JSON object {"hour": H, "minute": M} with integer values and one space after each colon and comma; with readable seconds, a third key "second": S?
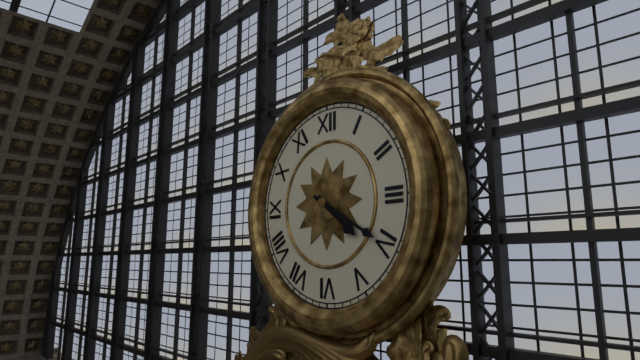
{"hour": 4, "minute": 20}
